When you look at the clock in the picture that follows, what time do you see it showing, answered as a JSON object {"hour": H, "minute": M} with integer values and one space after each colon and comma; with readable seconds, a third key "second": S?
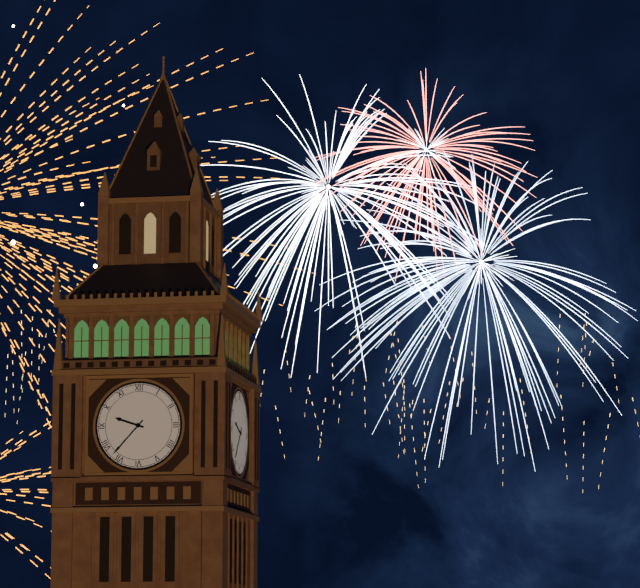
{"hour": 9, "minute": 37}
